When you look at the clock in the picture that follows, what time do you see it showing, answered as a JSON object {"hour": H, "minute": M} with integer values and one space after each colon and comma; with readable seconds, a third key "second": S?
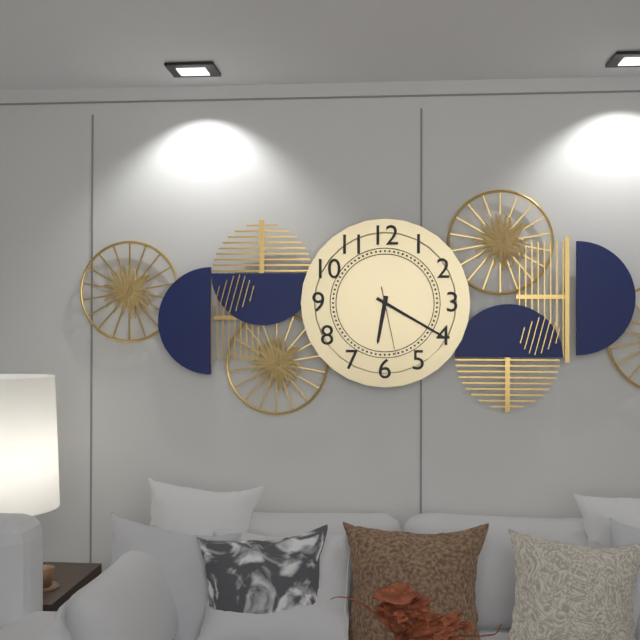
{"hour": 6, "minute": 20, "second": 28}
